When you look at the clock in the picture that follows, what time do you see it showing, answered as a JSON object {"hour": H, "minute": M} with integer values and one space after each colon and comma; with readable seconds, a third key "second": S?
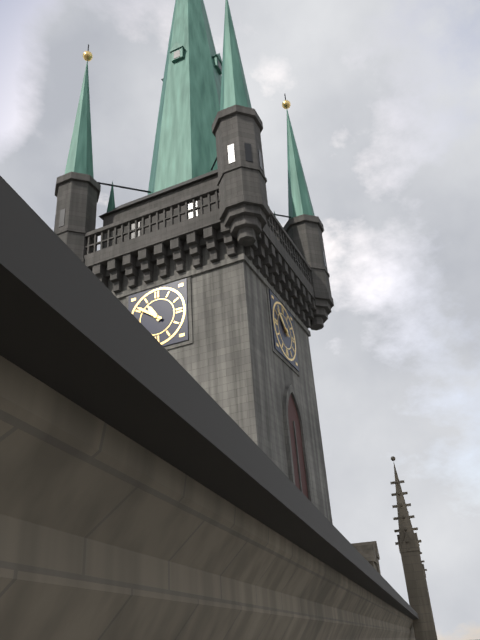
{"hour": 10, "minute": 51}
